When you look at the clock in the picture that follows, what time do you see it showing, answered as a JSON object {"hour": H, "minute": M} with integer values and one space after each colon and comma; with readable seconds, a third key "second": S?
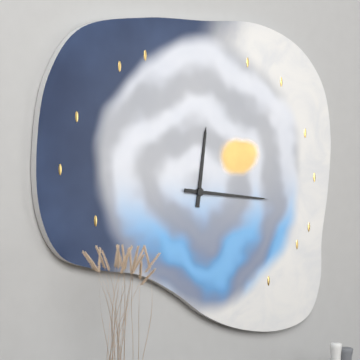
{"hour": 12, "minute": 16}
